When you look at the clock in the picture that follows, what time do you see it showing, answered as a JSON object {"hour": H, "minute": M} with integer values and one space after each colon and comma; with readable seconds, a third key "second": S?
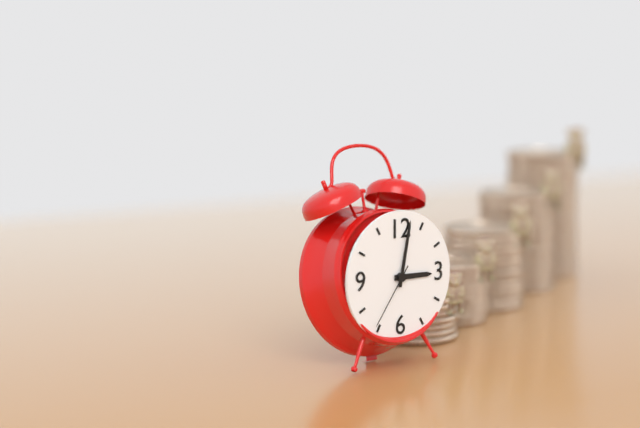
{"hour": 3, "minute": 2, "second": 36}
